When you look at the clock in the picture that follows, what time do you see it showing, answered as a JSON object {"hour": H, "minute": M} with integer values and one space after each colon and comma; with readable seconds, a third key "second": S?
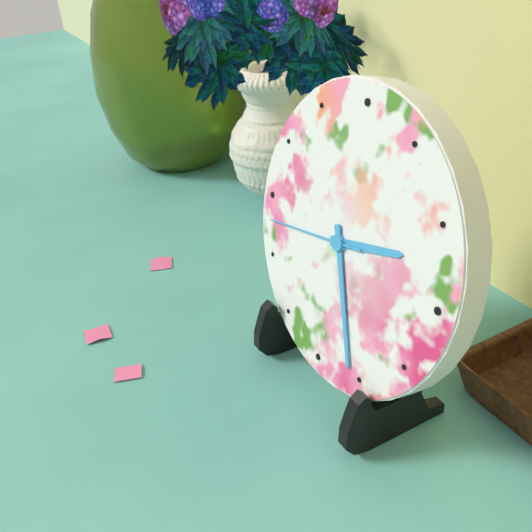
{"hour": 2, "minute": 26, "second": 43}
